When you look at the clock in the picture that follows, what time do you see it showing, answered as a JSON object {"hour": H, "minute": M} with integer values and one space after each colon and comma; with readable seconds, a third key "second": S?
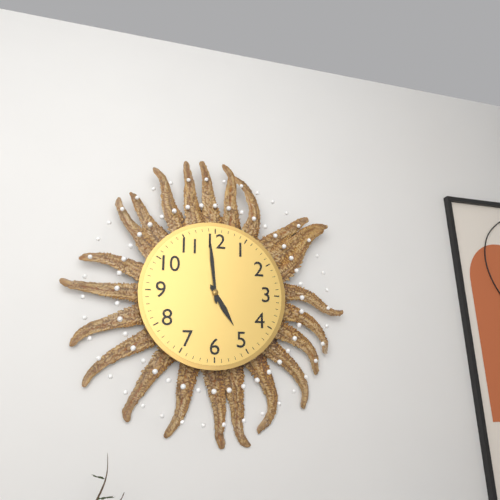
{"hour": 4, "minute": 59}
